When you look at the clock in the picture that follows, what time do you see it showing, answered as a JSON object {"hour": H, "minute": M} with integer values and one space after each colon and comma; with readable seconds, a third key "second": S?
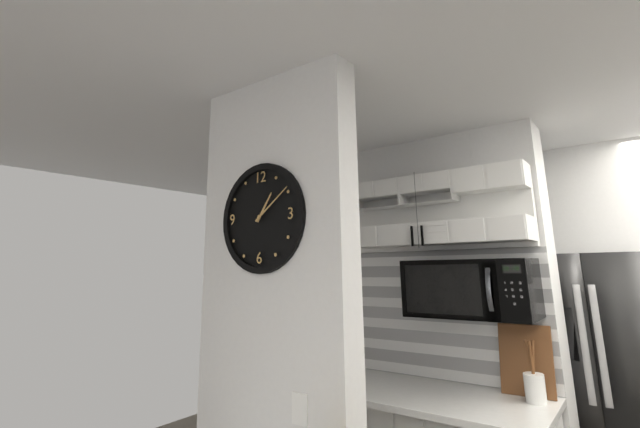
{"hour": 1, "minute": 9}
